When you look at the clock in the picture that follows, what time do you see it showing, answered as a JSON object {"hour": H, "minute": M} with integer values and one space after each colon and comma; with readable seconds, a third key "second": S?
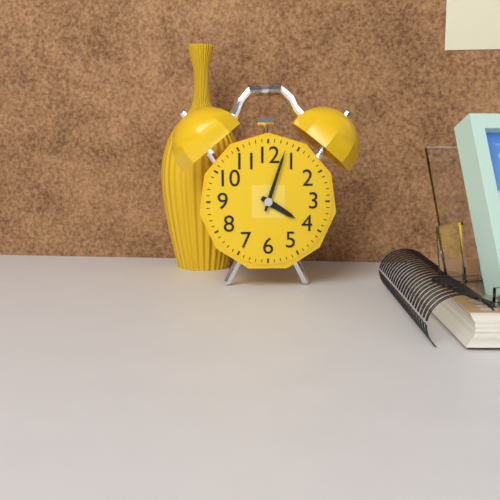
{"hour": 4, "minute": 3}
